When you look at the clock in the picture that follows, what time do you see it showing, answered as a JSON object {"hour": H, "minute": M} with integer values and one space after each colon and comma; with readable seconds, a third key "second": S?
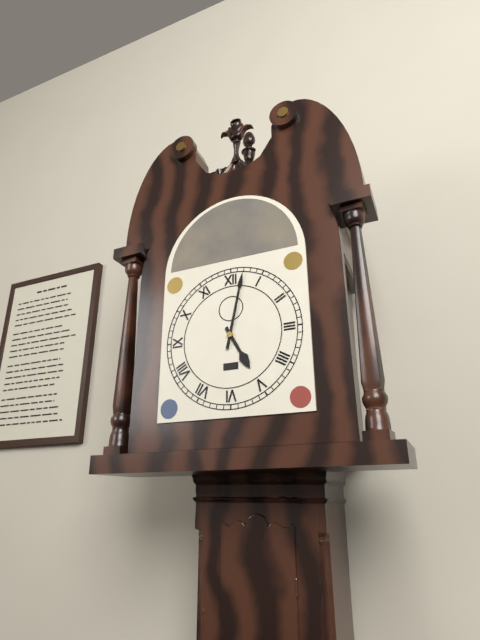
{"hour": 5, "minute": 2}
